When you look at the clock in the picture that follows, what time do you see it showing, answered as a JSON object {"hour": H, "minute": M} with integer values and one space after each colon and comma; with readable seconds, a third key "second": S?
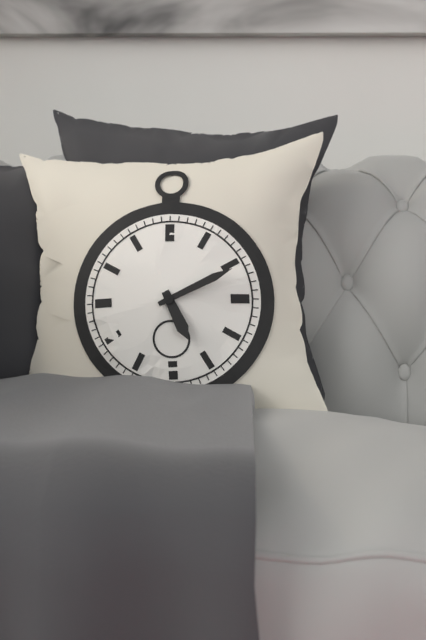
{"hour": 5, "minute": 11}
